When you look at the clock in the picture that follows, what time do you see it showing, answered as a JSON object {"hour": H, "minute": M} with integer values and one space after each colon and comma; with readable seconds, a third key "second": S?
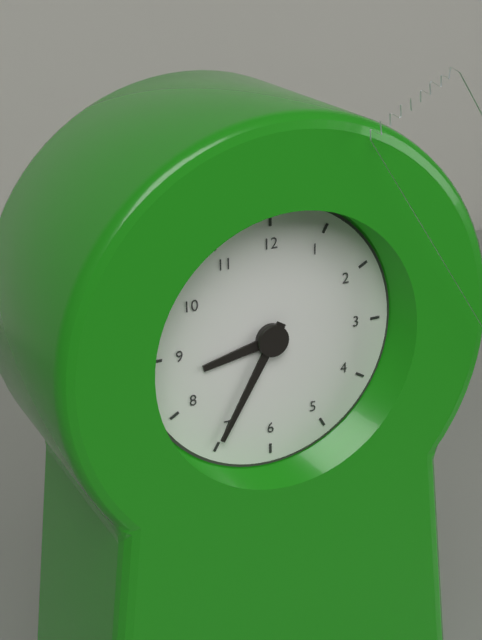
{"hour": 8, "minute": 35}
